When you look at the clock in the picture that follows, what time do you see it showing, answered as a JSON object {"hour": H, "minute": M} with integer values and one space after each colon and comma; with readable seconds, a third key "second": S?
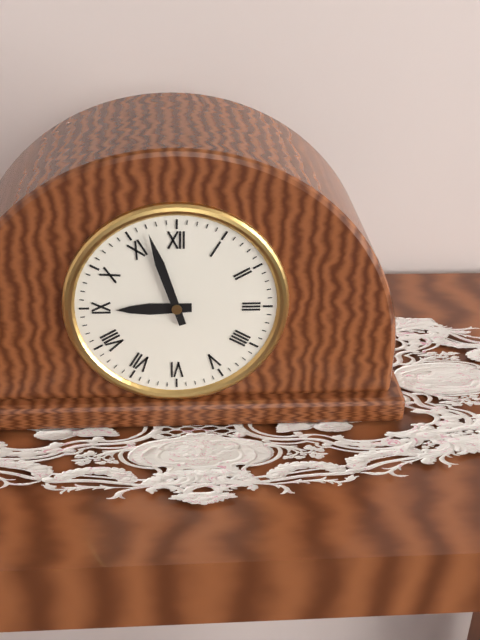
{"hour": 8, "minute": 57}
